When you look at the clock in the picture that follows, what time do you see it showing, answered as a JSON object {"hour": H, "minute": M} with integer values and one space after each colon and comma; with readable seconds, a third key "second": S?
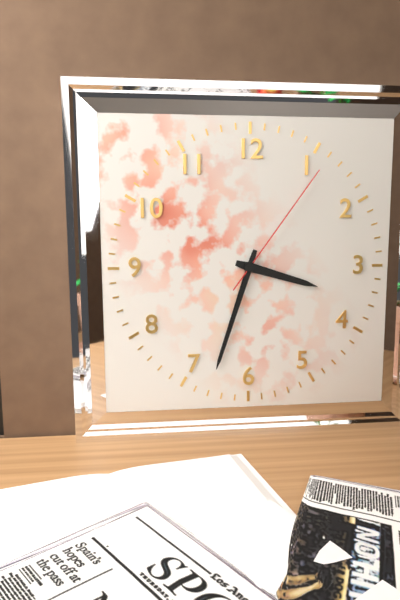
{"hour": 3, "minute": 33, "second": 6}
